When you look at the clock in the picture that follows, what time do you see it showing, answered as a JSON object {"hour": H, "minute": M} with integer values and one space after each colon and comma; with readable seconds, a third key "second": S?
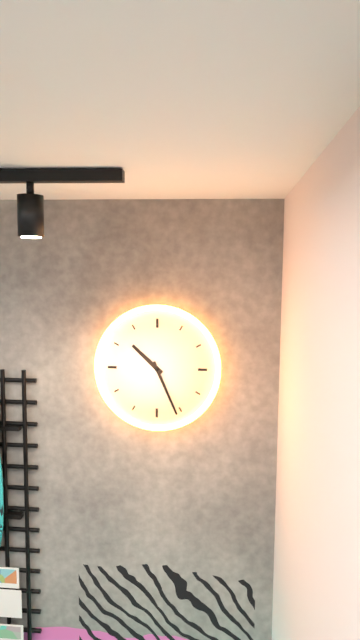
{"hour": 10, "minute": 26}
